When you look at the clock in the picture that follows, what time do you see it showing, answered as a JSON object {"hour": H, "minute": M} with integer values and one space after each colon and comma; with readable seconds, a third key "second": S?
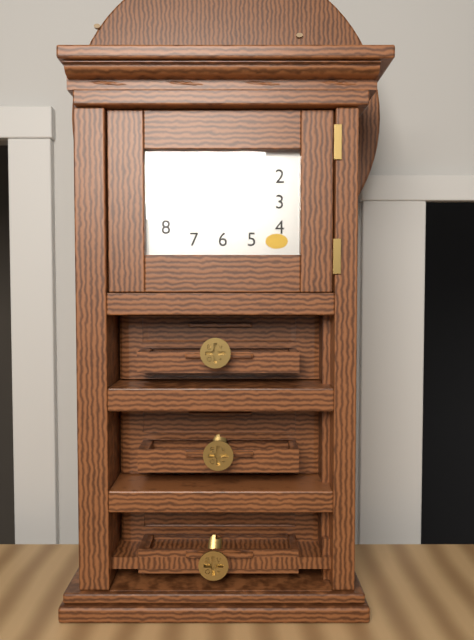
{"hour": 3, "minute": 48}
